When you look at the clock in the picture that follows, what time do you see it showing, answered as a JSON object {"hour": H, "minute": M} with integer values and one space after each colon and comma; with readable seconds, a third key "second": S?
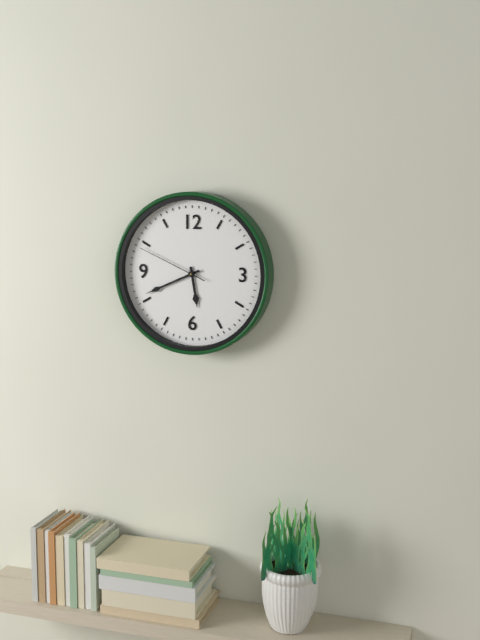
{"hour": 5, "minute": 41, "second": 49}
